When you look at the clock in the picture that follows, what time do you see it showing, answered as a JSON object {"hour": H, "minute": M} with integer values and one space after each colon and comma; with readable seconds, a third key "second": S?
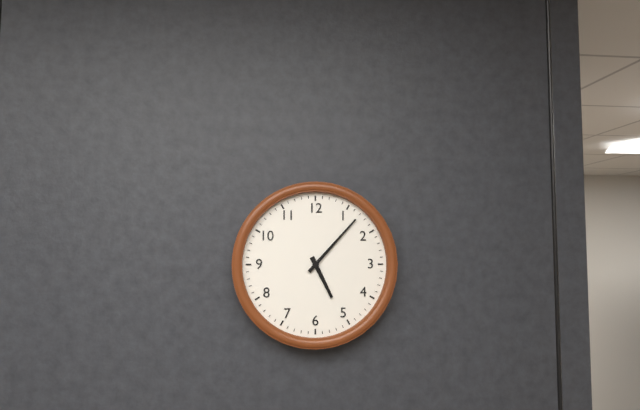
{"hour": 5, "minute": 7}
